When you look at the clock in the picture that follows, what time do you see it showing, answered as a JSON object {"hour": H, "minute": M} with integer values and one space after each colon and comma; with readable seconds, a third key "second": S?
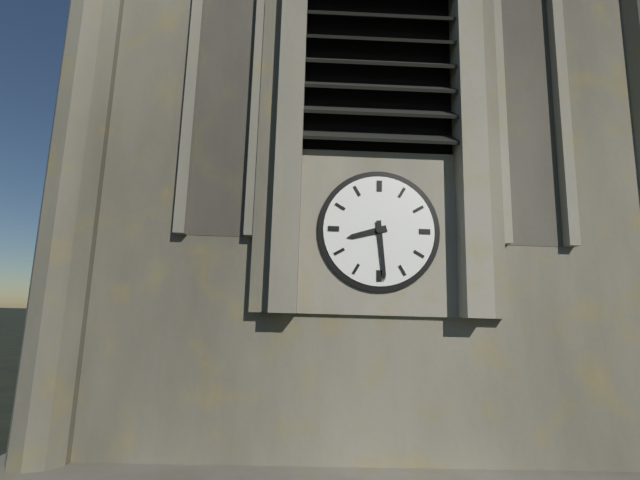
{"hour": 8, "minute": 29}
